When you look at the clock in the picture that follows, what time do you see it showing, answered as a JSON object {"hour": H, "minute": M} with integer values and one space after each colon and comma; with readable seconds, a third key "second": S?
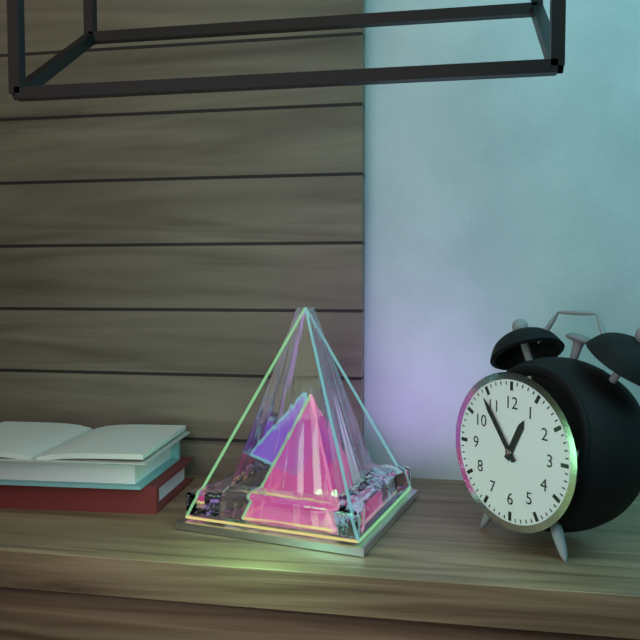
{"hour": 12, "minute": 54}
